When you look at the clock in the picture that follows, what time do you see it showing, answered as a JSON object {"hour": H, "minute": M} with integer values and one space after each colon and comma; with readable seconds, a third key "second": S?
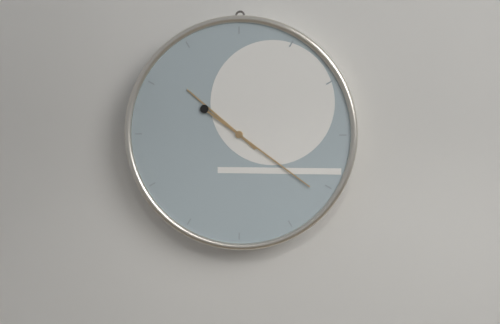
{"hour": 10, "minute": 21}
